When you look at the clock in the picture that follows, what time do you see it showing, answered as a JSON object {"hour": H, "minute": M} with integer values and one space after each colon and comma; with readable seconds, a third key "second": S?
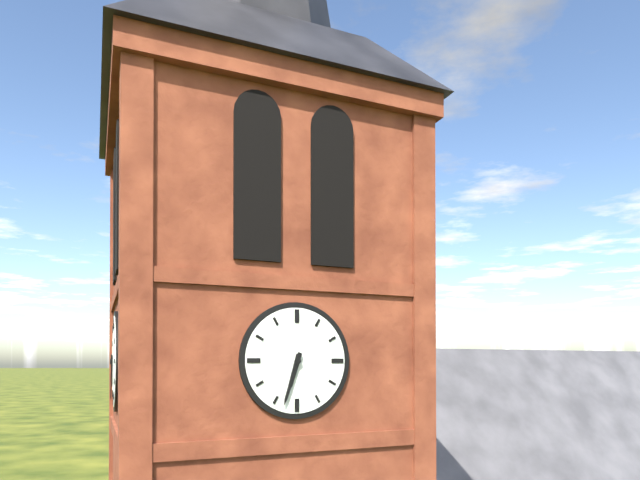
{"hour": 6, "minute": 33}
